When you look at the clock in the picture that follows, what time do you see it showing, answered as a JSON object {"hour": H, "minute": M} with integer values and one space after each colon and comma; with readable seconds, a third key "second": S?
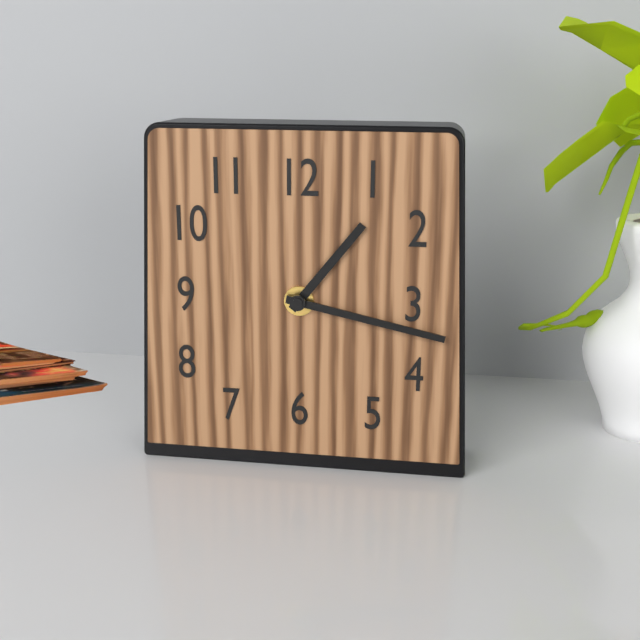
{"hour": 1, "minute": 17}
